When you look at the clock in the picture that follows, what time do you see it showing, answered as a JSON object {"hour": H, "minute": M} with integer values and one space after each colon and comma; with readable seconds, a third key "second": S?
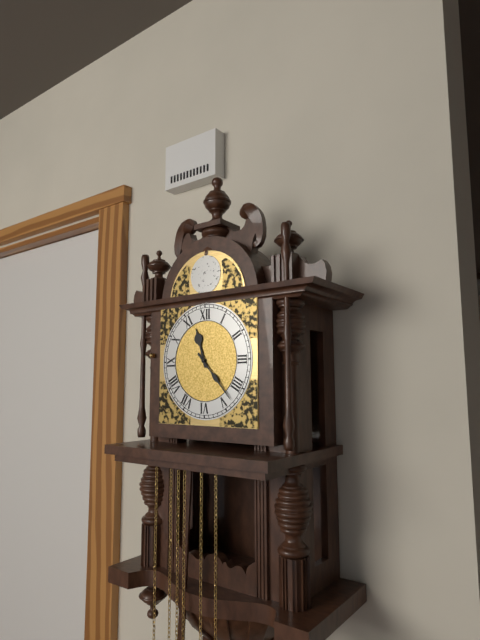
{"hour": 11, "minute": 23}
